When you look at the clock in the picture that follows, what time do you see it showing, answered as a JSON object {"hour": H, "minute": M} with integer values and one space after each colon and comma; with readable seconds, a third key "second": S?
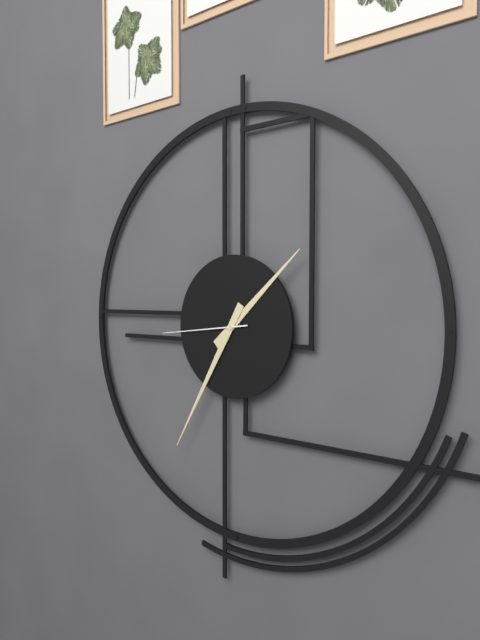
{"hour": 1, "minute": 35, "second": 44}
